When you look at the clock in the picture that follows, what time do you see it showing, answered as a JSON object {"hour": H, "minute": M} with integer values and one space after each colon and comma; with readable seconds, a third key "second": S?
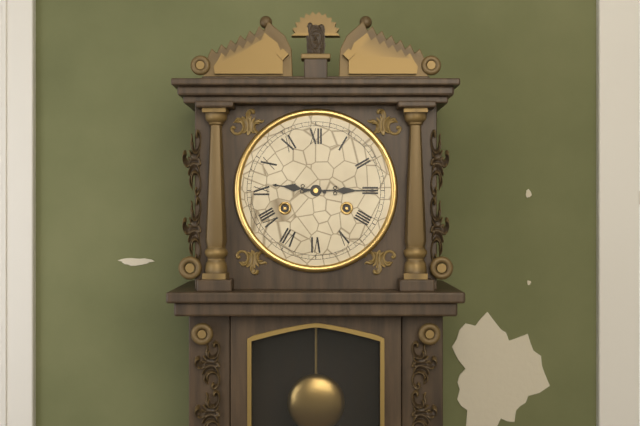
{"hour": 9, "minute": 15}
